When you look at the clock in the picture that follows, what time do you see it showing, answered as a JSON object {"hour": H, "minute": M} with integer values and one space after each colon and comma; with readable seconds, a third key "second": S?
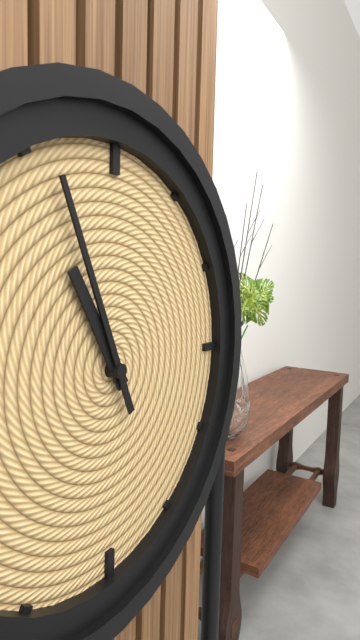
{"hour": 10, "minute": 56}
